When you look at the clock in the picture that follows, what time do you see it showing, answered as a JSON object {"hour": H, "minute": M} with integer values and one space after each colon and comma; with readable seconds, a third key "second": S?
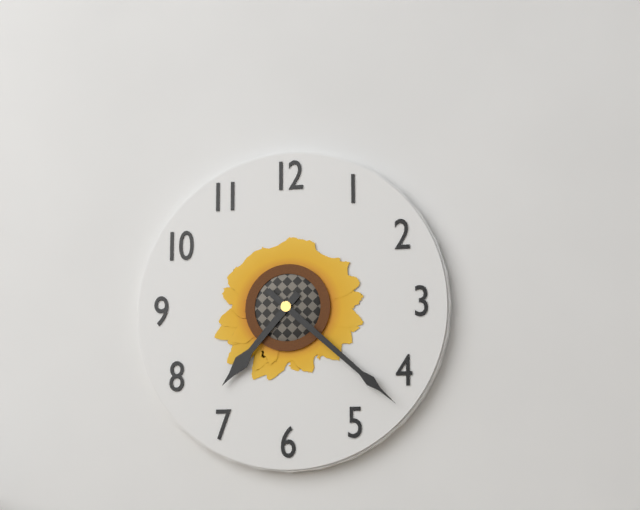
{"hour": 7, "minute": 22}
